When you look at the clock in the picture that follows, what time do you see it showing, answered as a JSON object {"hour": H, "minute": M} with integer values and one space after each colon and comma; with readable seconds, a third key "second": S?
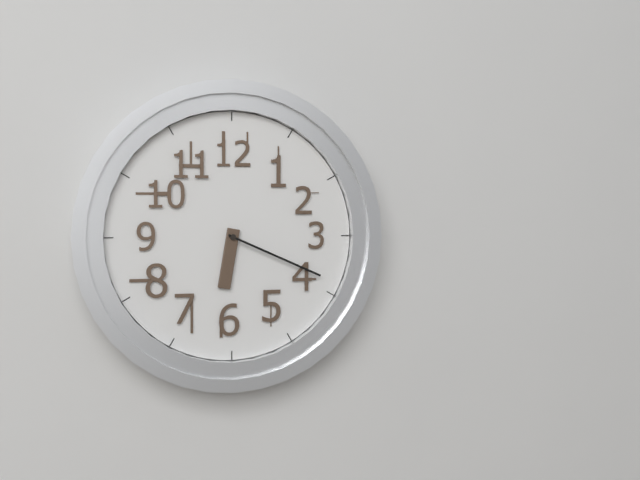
{"hour": 6, "minute": 19}
